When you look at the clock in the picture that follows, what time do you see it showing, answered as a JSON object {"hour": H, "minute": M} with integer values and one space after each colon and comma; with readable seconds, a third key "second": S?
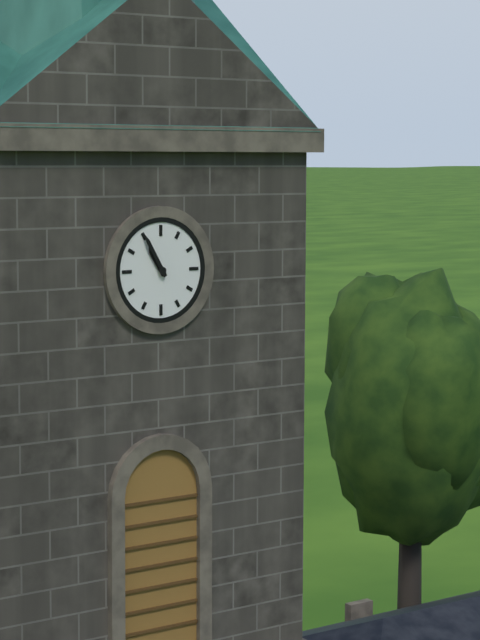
{"hour": 10, "minute": 55}
